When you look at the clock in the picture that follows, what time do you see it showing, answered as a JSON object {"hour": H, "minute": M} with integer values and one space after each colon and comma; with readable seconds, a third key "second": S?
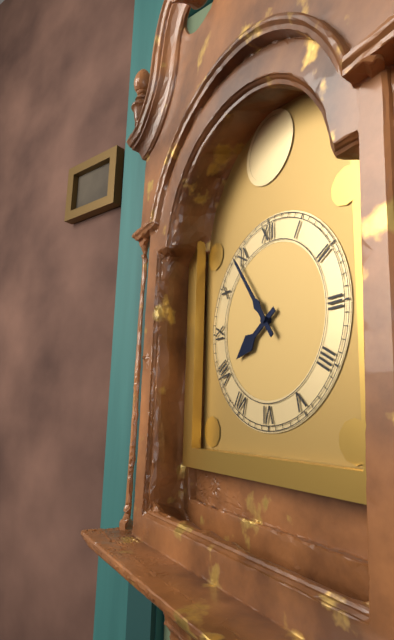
{"hour": 7, "minute": 54}
